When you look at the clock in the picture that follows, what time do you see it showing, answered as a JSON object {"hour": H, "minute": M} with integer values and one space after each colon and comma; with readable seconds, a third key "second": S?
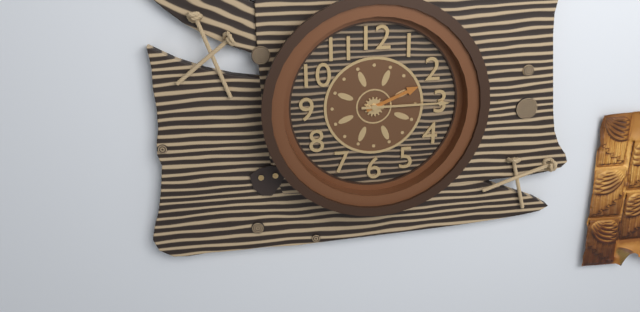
{"hour": 2, "minute": 15}
